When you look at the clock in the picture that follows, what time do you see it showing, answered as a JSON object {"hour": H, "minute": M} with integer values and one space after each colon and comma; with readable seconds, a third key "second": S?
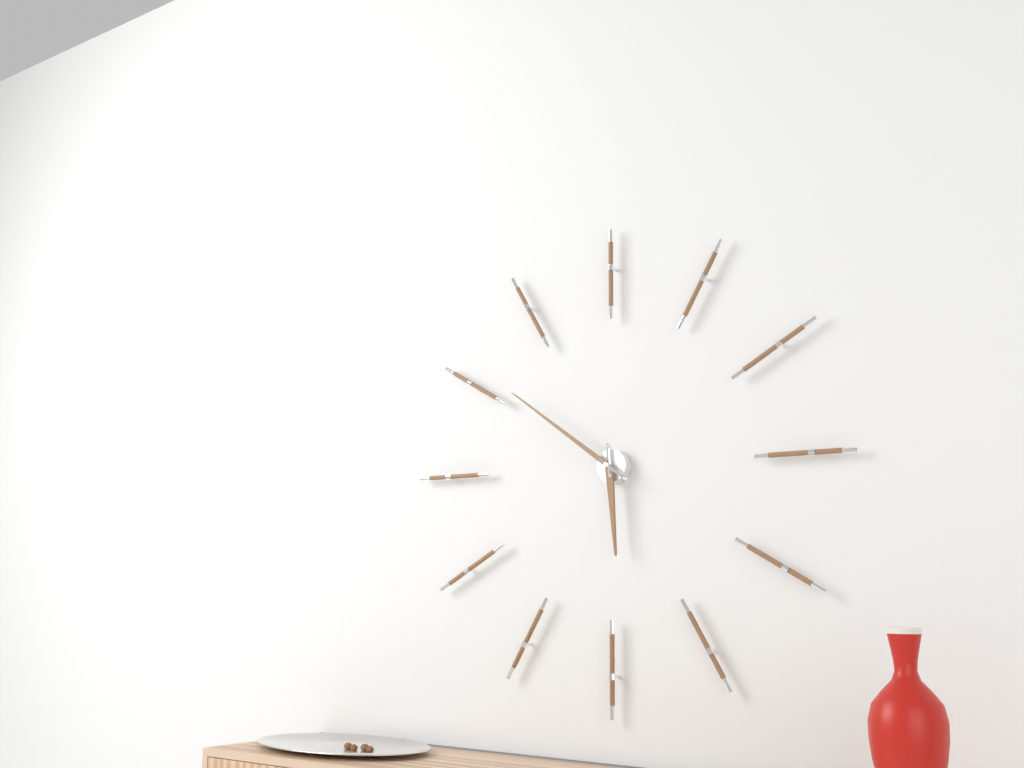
{"hour": 5, "minute": 51}
